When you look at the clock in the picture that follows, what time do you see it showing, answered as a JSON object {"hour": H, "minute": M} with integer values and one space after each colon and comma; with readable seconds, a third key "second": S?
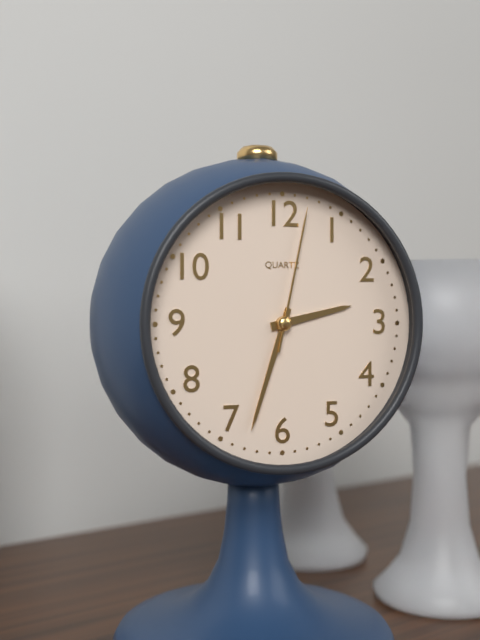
{"hour": 2, "minute": 33, "second": 2}
